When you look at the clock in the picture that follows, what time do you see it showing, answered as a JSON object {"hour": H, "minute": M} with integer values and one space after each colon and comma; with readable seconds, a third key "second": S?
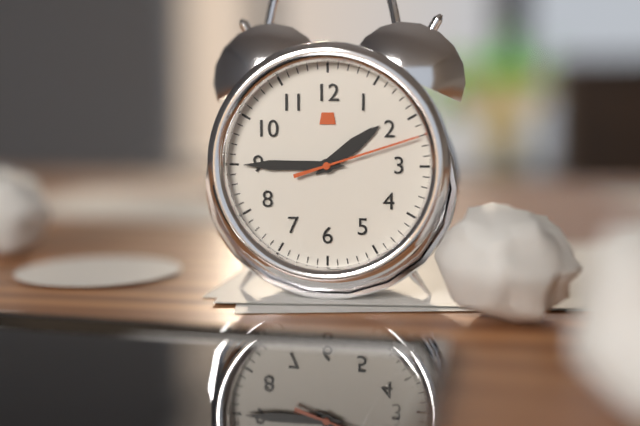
{"hour": 1, "minute": 45, "second": 12}
